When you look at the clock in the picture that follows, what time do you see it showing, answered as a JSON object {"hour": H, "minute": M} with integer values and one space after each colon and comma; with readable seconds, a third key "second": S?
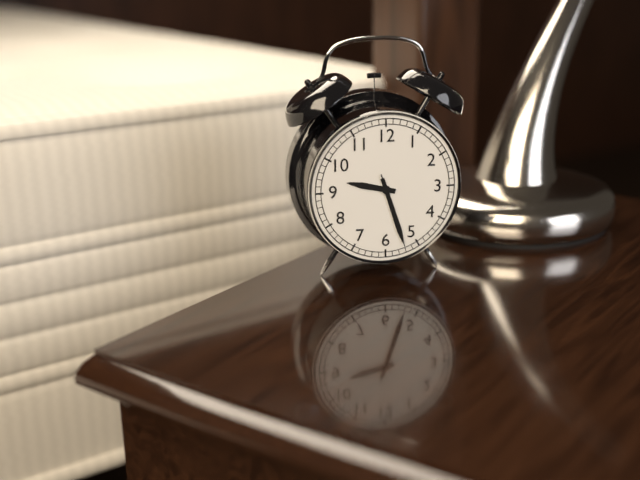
{"hour": 9, "minute": 27, "second": 27}
